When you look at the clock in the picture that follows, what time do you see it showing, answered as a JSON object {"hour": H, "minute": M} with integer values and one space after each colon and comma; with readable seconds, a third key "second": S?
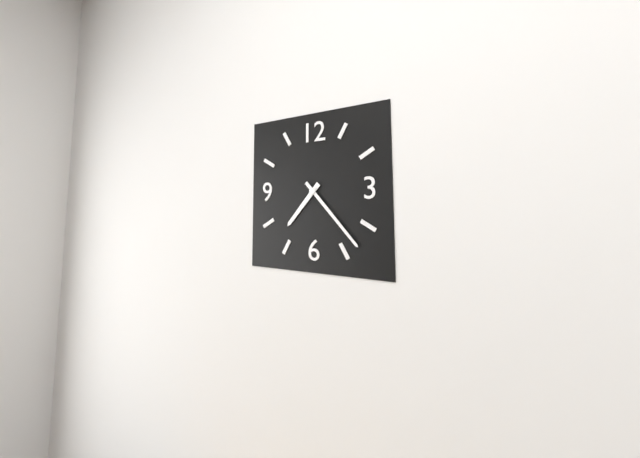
{"hour": 7, "minute": 23}
